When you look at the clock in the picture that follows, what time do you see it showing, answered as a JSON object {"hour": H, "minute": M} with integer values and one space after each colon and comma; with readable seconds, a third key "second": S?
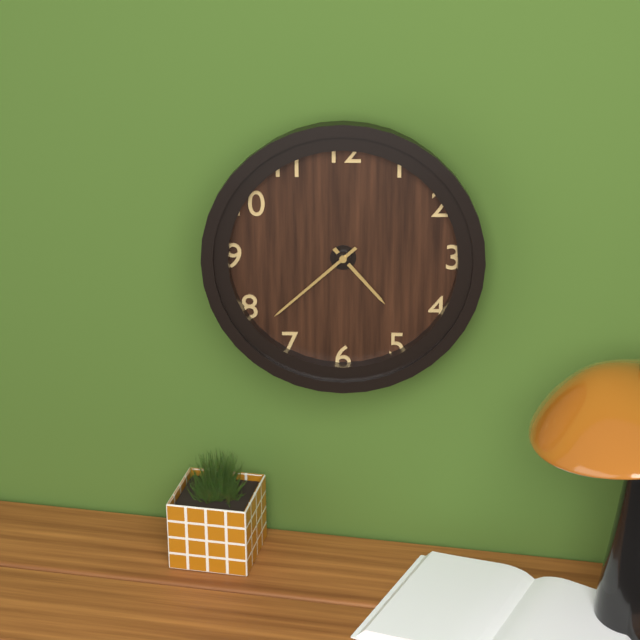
{"hour": 4, "minute": 38}
